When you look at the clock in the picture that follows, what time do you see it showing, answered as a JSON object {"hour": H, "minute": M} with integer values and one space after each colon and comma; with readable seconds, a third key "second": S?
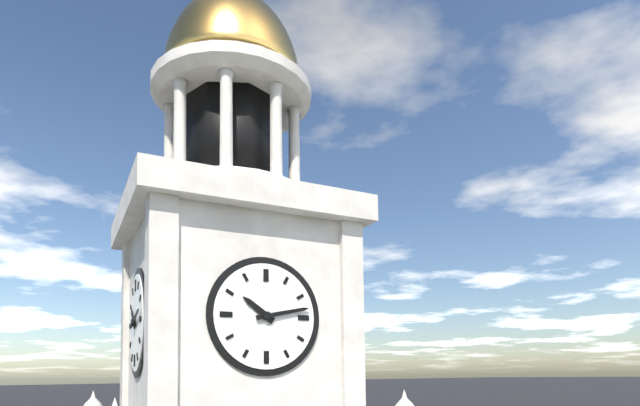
{"hour": 10, "minute": 13}
